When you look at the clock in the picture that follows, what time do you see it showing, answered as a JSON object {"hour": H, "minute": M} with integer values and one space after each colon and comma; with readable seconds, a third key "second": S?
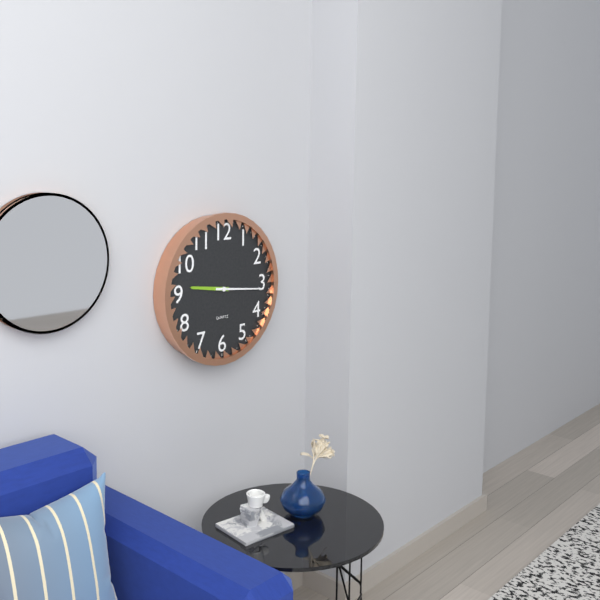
{"hour": 9, "minute": 16}
